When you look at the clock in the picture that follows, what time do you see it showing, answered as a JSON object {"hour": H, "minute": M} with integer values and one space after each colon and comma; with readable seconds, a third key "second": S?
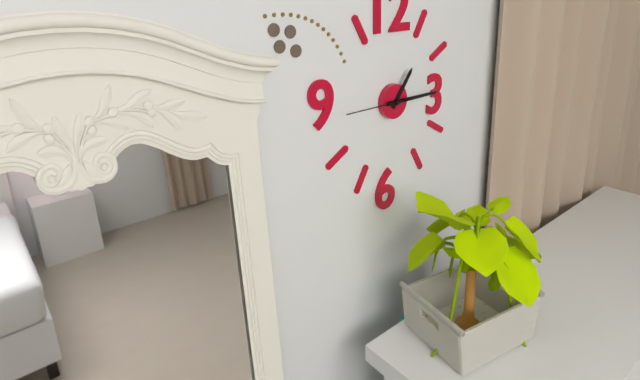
{"hour": 1, "minute": 15, "second": 45}
